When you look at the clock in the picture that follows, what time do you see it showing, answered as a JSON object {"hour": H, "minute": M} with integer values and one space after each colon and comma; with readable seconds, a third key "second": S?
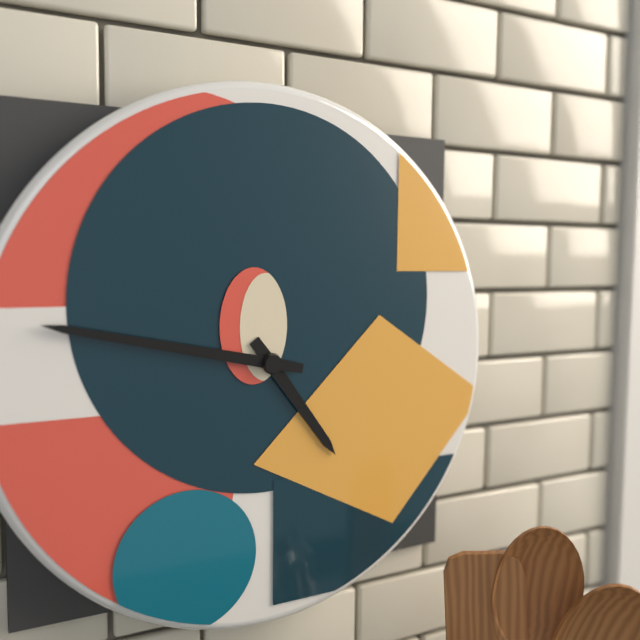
{"hour": 4, "minute": 47}
